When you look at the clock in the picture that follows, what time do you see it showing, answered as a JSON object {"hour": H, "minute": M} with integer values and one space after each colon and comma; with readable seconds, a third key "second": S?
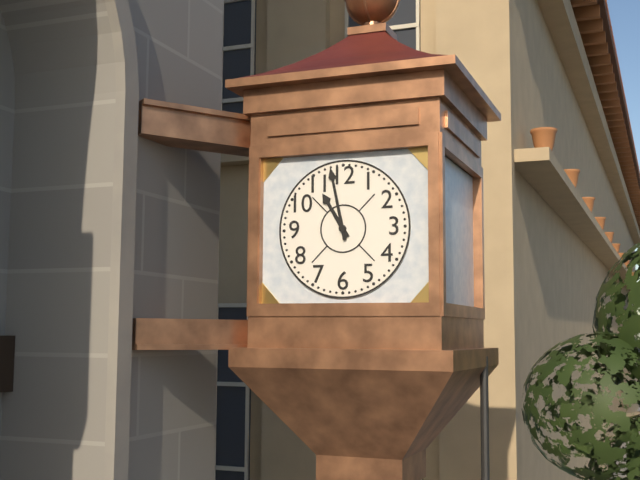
{"hour": 10, "minute": 58}
